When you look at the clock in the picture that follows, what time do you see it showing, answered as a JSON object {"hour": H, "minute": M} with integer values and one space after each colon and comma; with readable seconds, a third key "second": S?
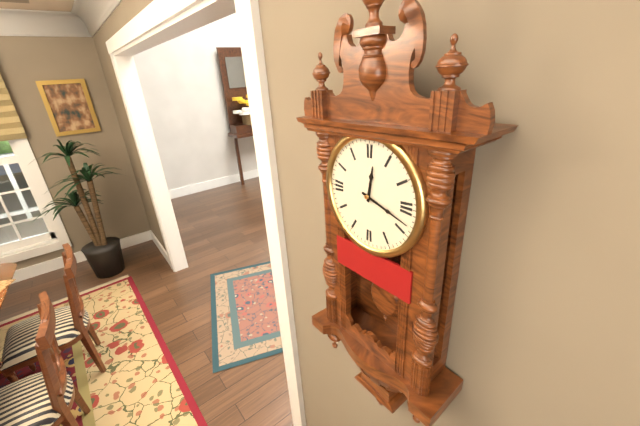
{"hour": 12, "minute": 18}
